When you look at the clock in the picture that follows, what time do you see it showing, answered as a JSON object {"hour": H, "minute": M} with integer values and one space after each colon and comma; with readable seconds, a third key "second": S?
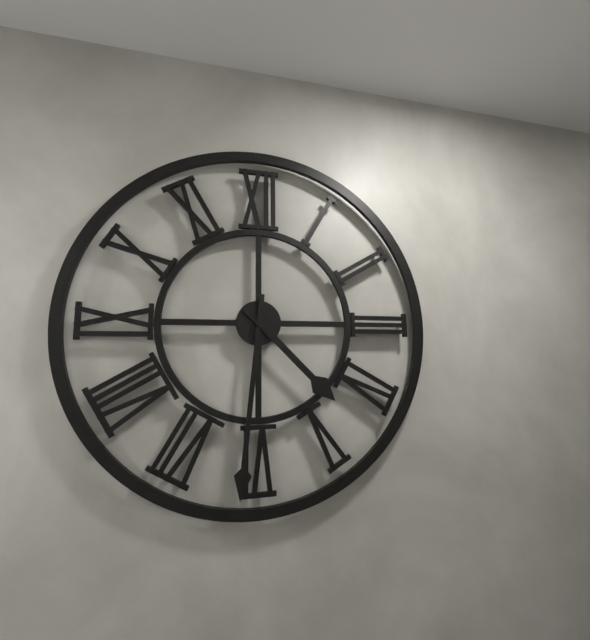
{"hour": 4, "minute": 31}
